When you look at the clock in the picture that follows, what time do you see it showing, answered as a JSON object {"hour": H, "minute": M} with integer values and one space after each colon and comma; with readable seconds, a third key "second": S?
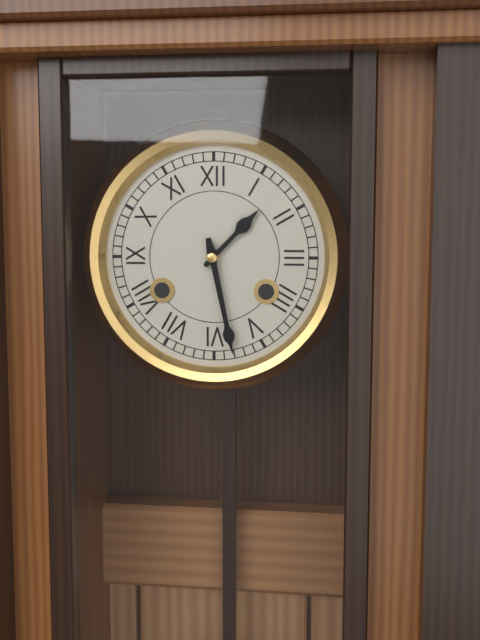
{"hour": 1, "minute": 28}
